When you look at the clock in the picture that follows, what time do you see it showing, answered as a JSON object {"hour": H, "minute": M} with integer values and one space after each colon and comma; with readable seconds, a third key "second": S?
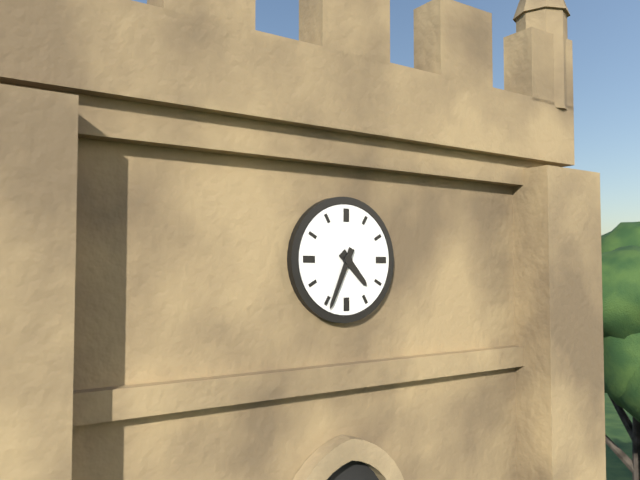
{"hour": 4, "minute": 34}
